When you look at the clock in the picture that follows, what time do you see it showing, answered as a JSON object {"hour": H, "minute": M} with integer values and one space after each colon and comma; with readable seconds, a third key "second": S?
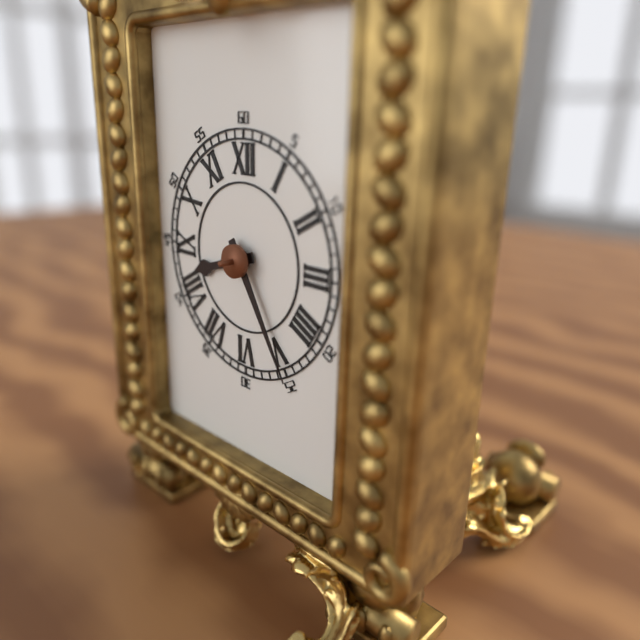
{"hour": 8, "minute": 25}
